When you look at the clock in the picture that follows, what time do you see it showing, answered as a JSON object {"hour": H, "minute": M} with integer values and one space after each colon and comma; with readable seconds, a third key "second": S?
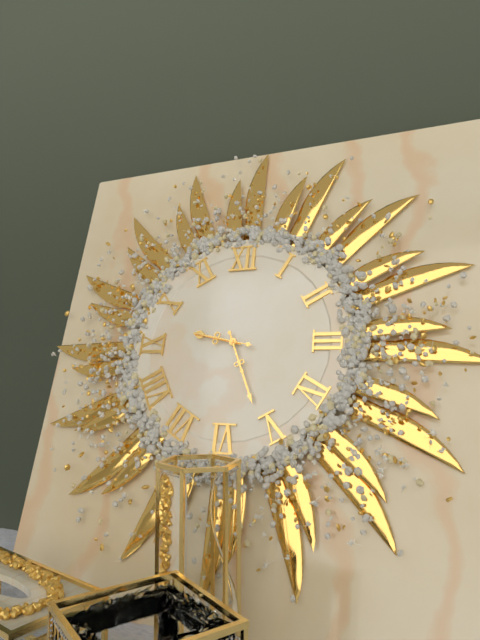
{"hour": 9, "minute": 26, "second": 47}
